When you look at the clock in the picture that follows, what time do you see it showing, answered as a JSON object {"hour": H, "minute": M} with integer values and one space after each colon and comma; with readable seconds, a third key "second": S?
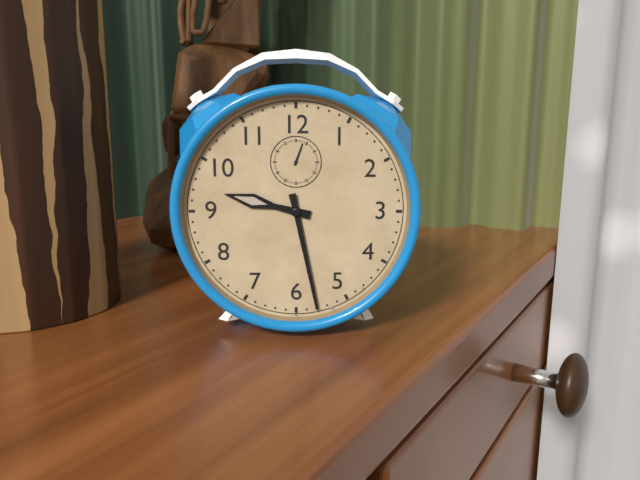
{"hour": 9, "minute": 28}
